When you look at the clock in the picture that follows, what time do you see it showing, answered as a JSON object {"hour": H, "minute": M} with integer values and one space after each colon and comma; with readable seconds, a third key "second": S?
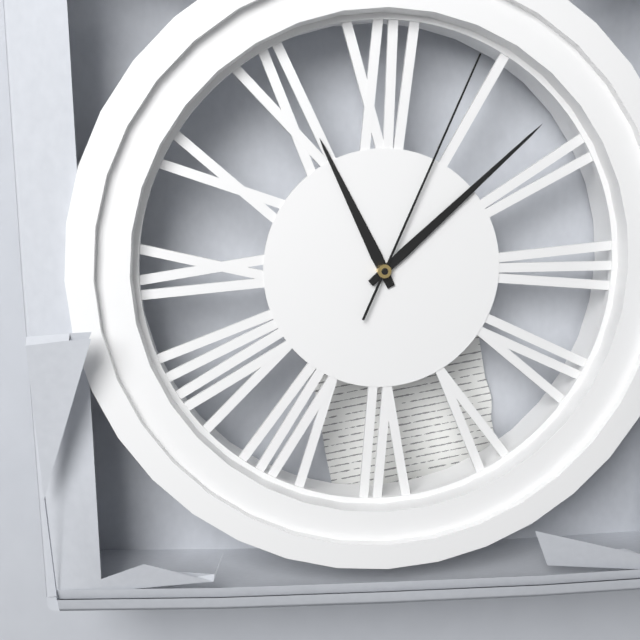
{"hour": 11, "minute": 8, "second": 4}
